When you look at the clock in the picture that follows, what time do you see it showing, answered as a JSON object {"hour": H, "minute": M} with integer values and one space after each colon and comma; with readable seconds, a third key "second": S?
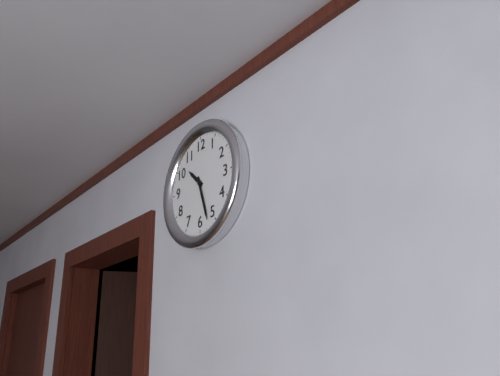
{"hour": 10, "minute": 27}
